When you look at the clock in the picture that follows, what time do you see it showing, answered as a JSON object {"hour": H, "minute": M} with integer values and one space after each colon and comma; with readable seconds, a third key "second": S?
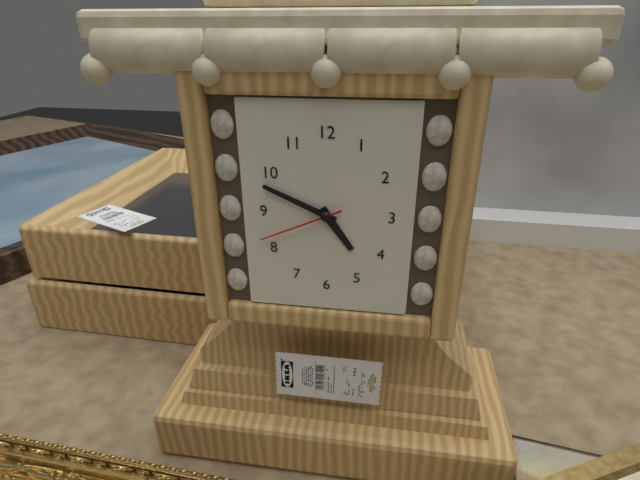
{"hour": 4, "minute": 49, "second": 41}
